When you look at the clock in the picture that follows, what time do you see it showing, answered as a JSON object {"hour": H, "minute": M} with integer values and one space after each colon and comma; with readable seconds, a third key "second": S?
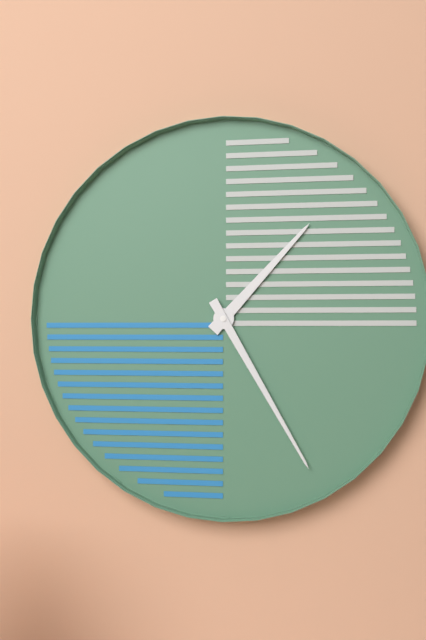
{"hour": 1, "minute": 25}
